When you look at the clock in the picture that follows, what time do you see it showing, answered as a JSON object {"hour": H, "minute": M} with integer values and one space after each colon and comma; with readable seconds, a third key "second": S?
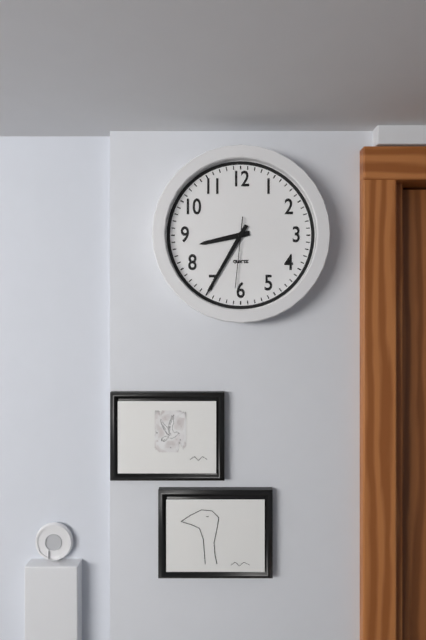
{"hour": 8, "minute": 35, "second": 31}
